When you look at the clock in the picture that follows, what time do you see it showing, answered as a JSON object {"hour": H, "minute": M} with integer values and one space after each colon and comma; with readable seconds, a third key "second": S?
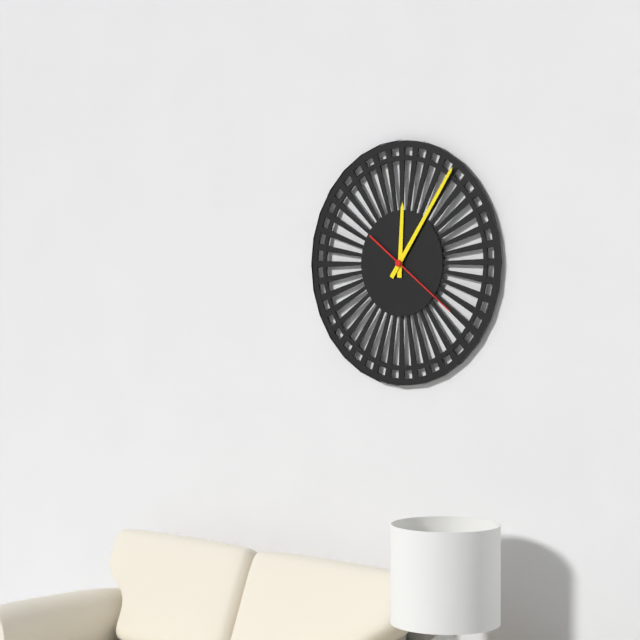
{"hour": 12, "minute": 6, "second": 21}
